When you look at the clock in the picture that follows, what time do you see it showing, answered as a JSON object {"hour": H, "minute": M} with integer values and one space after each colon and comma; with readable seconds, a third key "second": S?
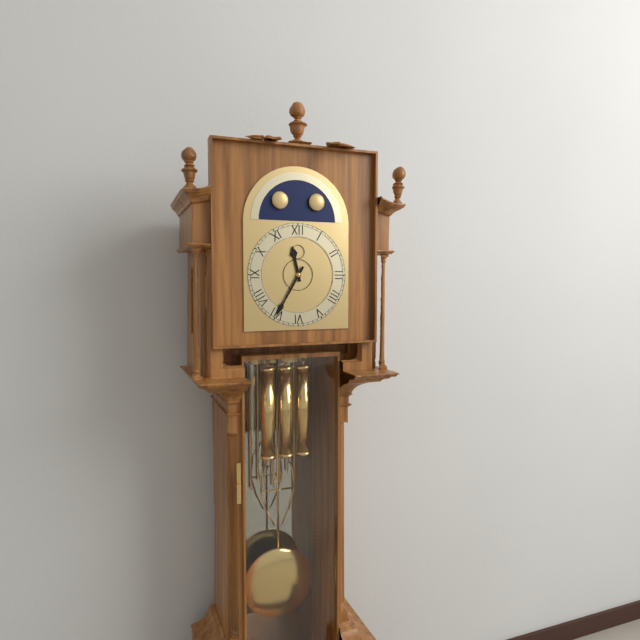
{"hour": 11, "minute": 35}
